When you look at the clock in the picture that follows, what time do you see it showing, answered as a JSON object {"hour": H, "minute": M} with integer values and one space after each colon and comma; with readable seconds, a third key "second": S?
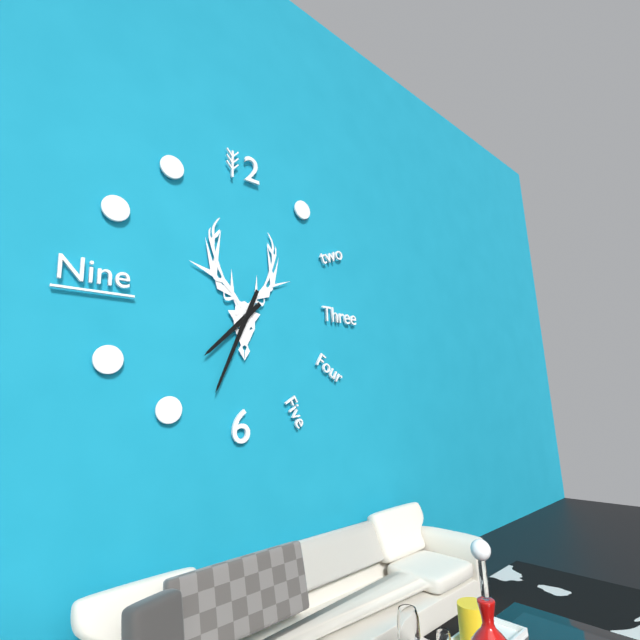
{"hour": 7, "minute": 34}
